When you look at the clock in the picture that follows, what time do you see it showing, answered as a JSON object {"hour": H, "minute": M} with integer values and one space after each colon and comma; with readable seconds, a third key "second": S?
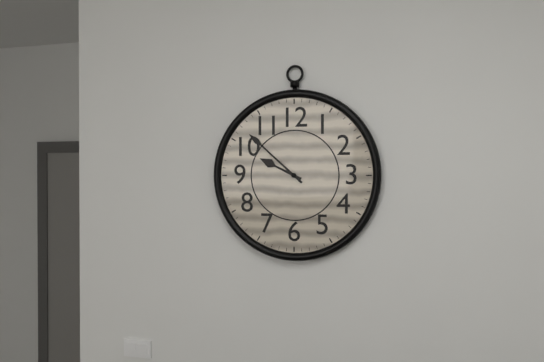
{"hour": 9, "minute": 52}
